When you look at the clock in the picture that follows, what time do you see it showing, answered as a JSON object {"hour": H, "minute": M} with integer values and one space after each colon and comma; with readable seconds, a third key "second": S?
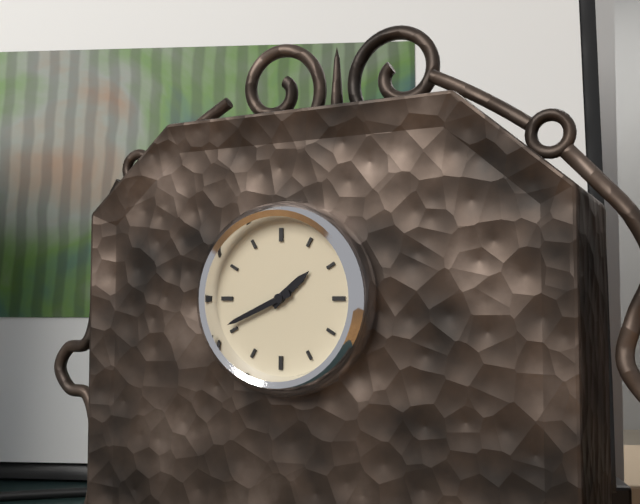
{"hour": 1, "minute": 41}
